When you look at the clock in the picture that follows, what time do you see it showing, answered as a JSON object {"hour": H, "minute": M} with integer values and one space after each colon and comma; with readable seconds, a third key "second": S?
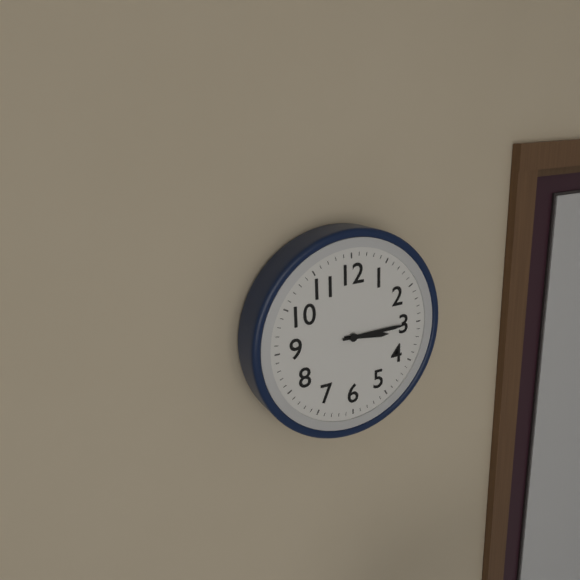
{"hour": 3, "minute": 15}
